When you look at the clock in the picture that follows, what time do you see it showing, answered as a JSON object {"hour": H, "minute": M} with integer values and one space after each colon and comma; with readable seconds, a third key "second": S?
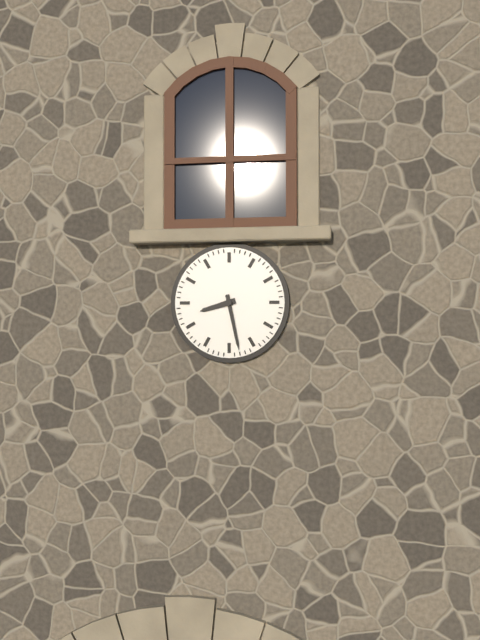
{"hour": 8, "minute": 28}
